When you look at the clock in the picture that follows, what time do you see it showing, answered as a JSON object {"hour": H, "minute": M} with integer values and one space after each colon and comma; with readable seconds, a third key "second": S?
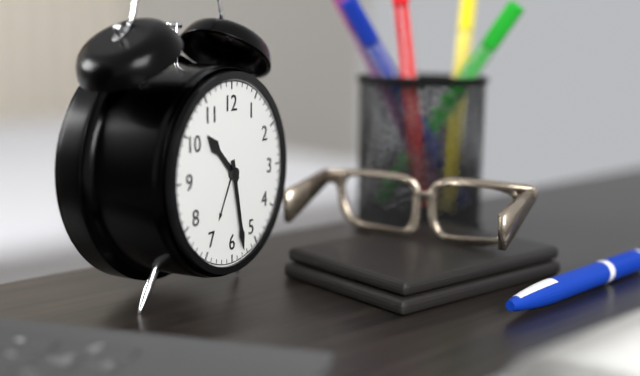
{"hour": 10, "minute": 28}
